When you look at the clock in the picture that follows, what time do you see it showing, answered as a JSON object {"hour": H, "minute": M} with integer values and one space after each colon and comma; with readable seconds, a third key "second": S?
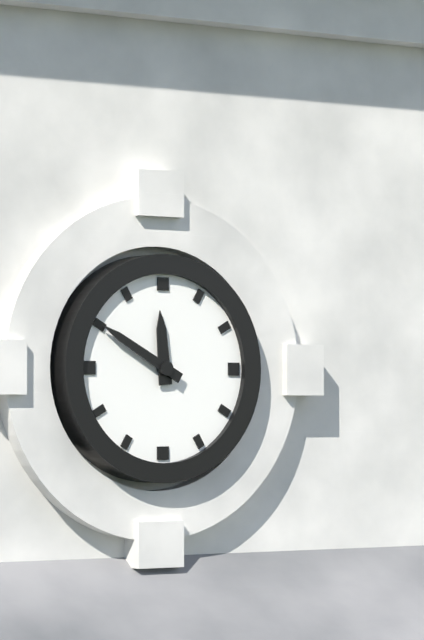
{"hour": 11, "minute": 50}
